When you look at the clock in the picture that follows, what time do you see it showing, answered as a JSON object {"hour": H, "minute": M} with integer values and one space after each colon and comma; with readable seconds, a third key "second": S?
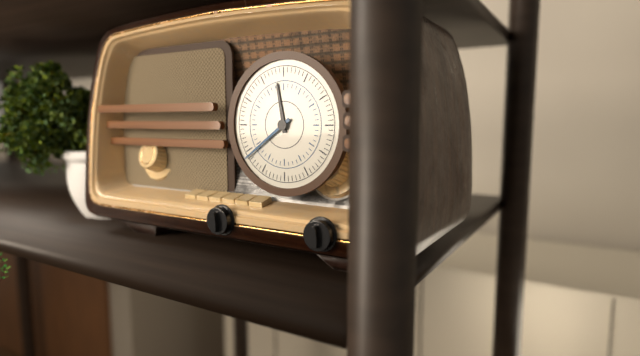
{"hour": 11, "minute": 39}
